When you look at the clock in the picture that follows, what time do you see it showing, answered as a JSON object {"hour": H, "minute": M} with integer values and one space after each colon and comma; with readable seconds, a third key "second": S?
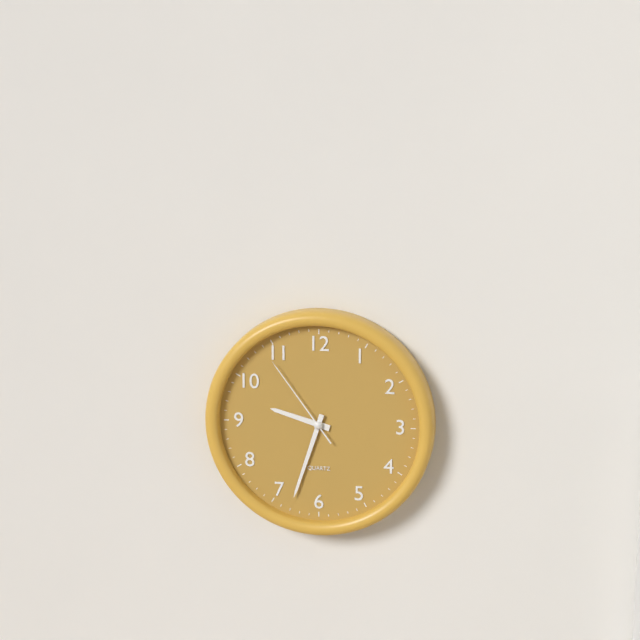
{"hour": 9, "minute": 33, "second": 54}
